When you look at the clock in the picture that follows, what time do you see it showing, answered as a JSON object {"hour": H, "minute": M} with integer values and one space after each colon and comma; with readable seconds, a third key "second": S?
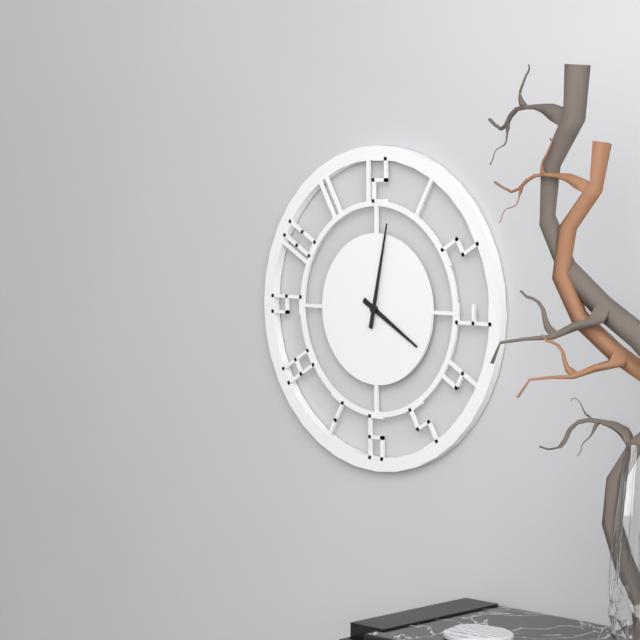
{"hour": 4, "minute": 2}
